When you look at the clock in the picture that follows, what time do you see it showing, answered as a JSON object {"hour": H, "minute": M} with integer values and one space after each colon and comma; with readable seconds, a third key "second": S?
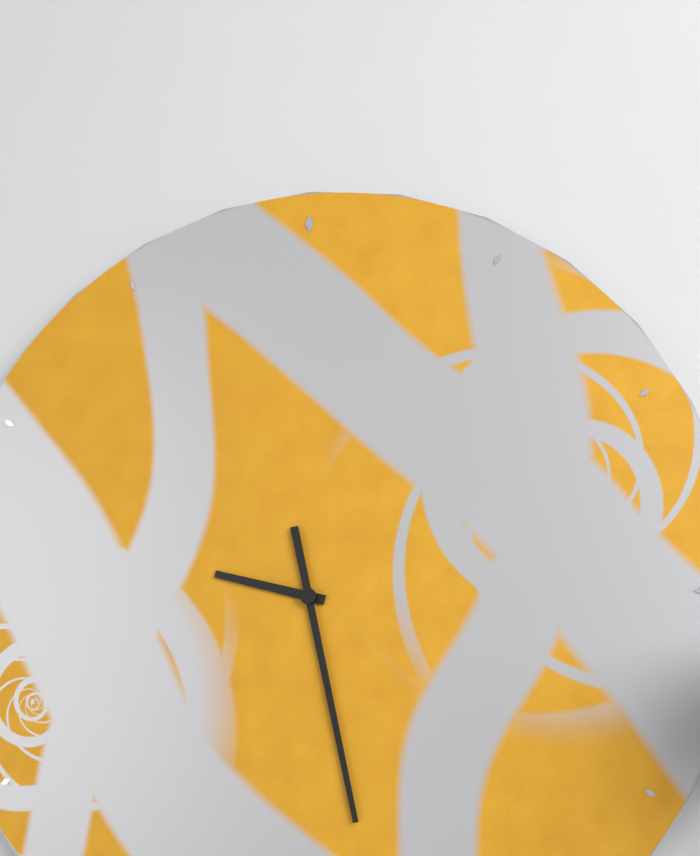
{"hour": 9, "minute": 28}
